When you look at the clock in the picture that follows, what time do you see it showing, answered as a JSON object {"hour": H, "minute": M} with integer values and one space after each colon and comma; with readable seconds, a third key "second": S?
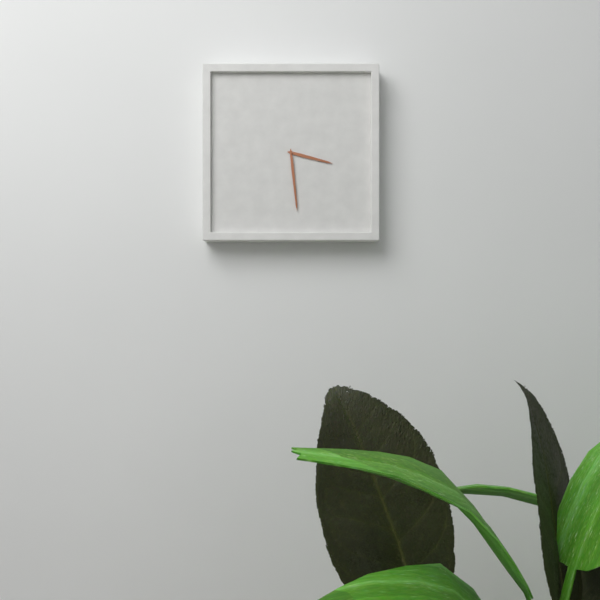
{"hour": 3, "minute": 29}
